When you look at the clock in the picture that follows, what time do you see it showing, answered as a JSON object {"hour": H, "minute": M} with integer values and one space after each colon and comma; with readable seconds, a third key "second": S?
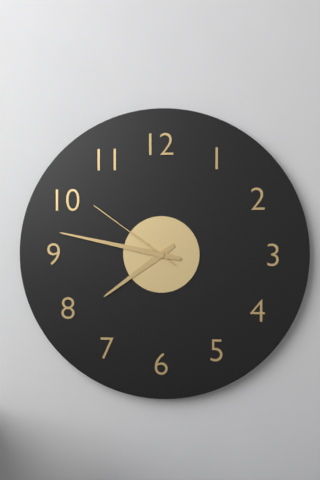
{"hour": 7, "minute": 47, "second": 51}
